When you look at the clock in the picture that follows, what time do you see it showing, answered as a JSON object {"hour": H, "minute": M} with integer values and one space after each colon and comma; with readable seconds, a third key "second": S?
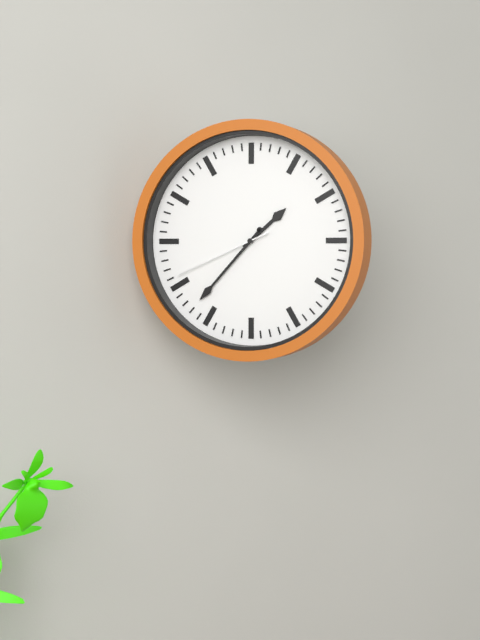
{"hour": 1, "minute": 37, "second": 41}
